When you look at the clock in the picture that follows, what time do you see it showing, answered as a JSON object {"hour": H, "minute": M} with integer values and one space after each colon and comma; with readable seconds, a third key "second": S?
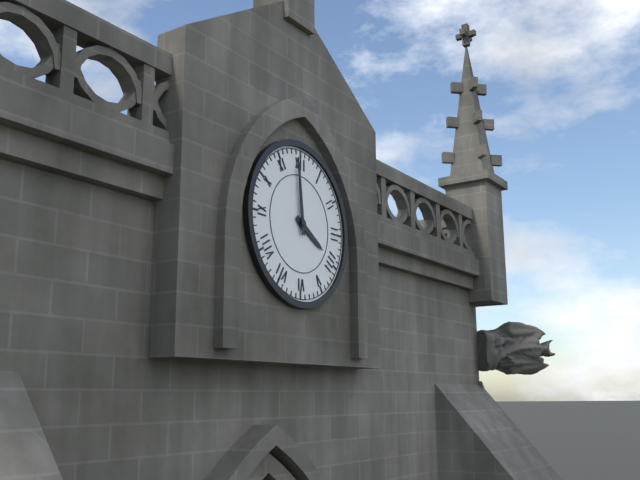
{"hour": 3, "minute": 59}
